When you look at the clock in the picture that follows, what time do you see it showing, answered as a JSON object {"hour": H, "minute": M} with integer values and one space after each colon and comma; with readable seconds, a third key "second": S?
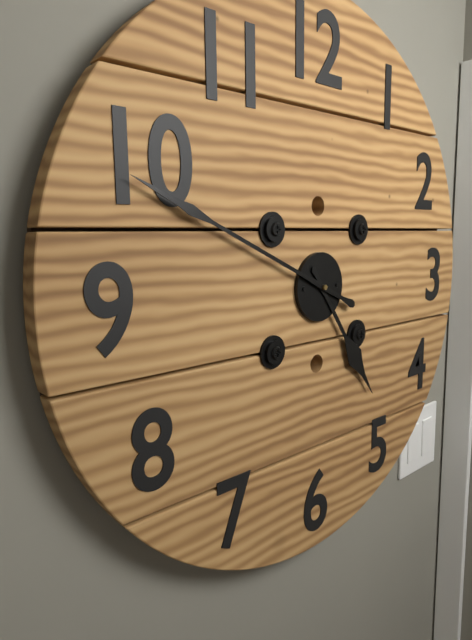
{"hour": 4, "minute": 49}
